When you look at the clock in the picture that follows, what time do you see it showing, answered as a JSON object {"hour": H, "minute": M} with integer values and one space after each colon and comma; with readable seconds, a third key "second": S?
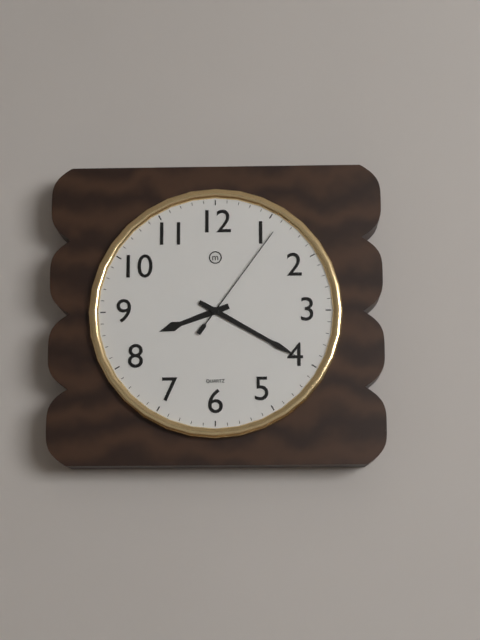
{"hour": 8, "minute": 20, "second": 6}
